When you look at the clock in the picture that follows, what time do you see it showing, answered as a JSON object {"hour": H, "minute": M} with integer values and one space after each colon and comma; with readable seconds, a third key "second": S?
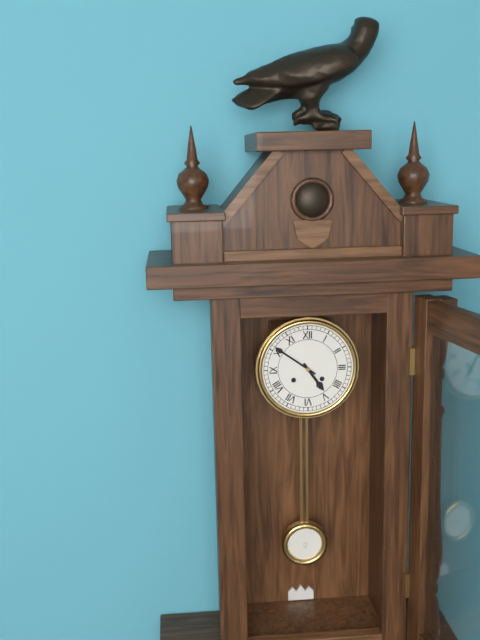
{"hour": 4, "minute": 51}
